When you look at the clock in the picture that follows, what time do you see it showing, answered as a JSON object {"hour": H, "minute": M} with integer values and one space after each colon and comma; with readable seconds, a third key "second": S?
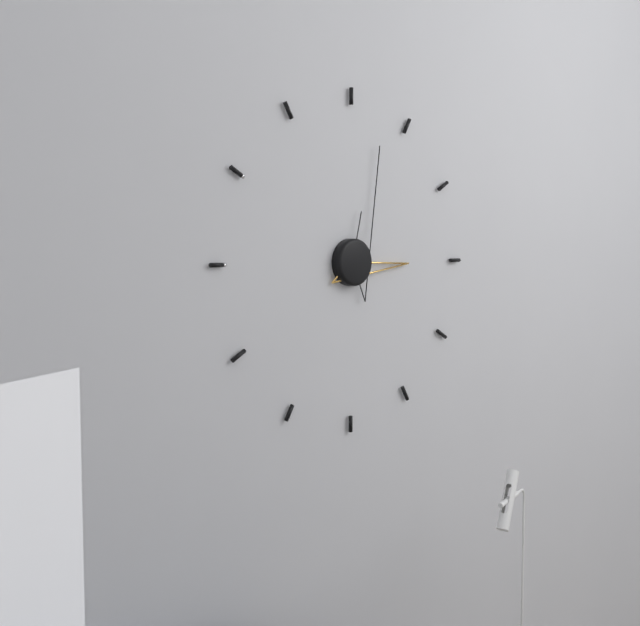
{"hour": 3, "minute": 3}
